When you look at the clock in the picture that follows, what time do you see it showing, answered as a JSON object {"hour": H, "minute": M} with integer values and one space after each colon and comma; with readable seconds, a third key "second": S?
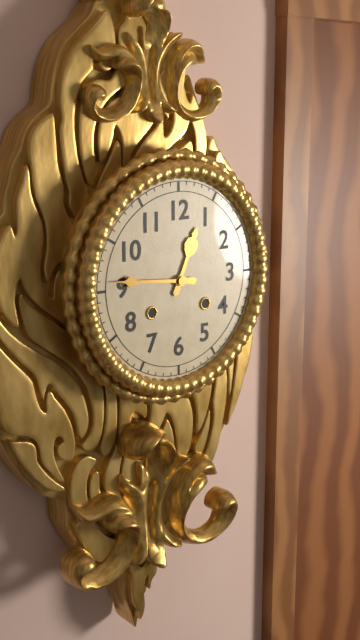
{"hour": 12, "minute": 46}
